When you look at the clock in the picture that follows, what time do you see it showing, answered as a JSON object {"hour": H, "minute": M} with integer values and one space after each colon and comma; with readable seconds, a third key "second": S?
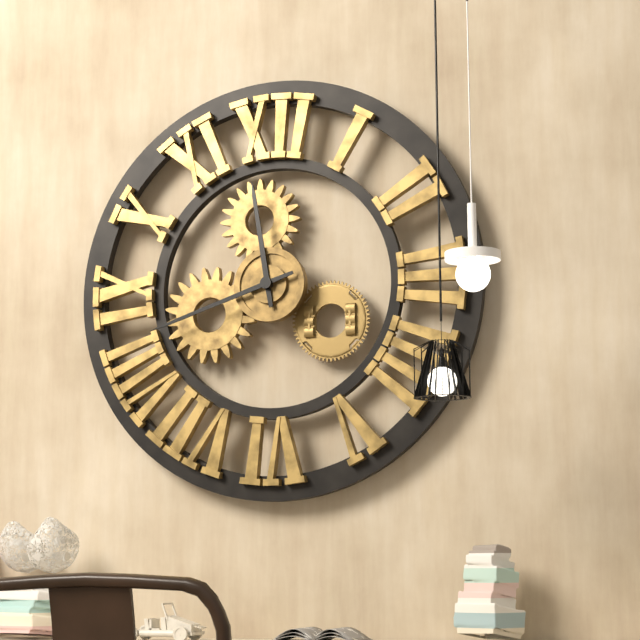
{"hour": 11, "minute": 42}
